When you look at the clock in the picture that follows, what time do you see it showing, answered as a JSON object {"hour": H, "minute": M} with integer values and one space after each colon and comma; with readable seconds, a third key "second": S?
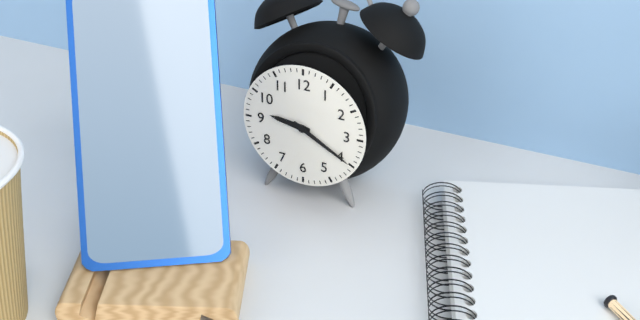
{"hour": 9, "minute": 20}
